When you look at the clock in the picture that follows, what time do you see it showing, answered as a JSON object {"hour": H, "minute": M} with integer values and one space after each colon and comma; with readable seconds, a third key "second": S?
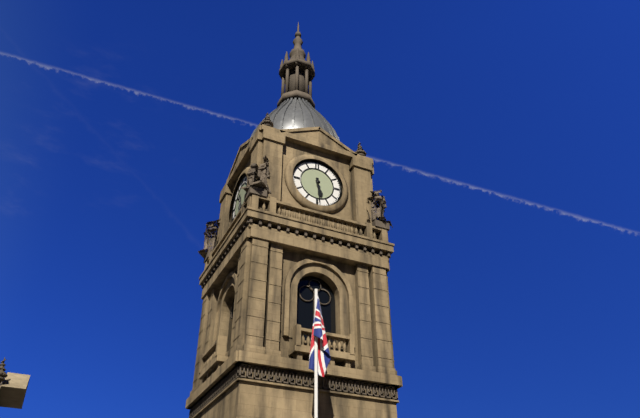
{"hour": 5, "minute": 29}
